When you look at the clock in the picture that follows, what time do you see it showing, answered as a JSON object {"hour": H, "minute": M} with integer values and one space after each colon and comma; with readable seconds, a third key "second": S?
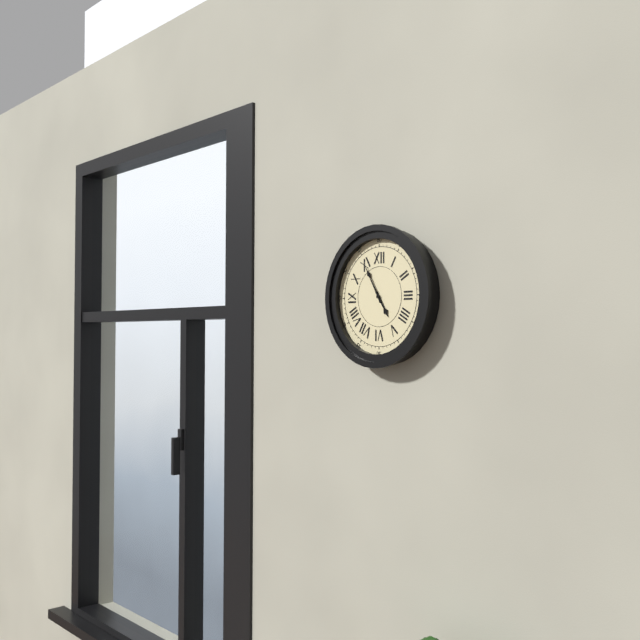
{"hour": 4, "minute": 55}
